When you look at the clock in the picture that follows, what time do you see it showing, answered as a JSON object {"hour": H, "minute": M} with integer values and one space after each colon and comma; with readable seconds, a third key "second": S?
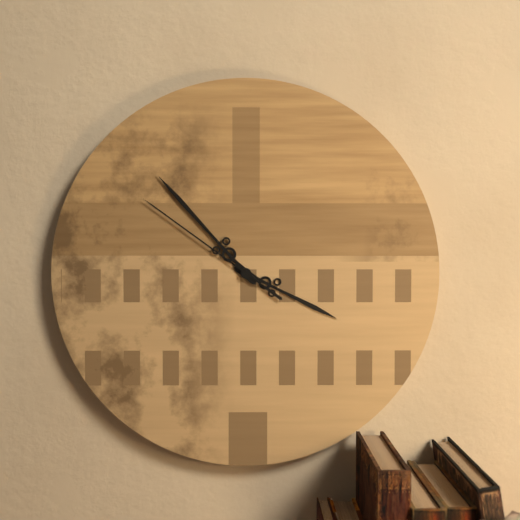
{"hour": 3, "minute": 53, "second": 51}
